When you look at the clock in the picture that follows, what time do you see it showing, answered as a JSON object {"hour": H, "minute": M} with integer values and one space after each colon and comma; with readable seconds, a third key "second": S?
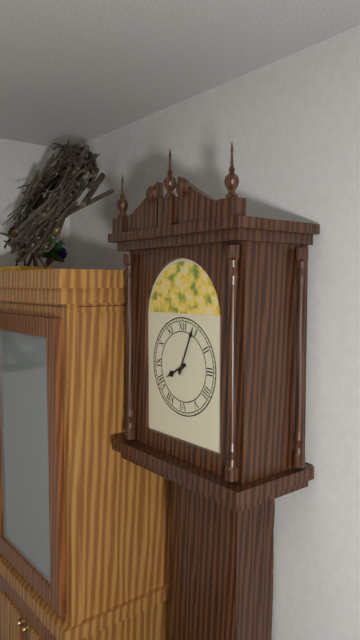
{"hour": 8, "minute": 4}
